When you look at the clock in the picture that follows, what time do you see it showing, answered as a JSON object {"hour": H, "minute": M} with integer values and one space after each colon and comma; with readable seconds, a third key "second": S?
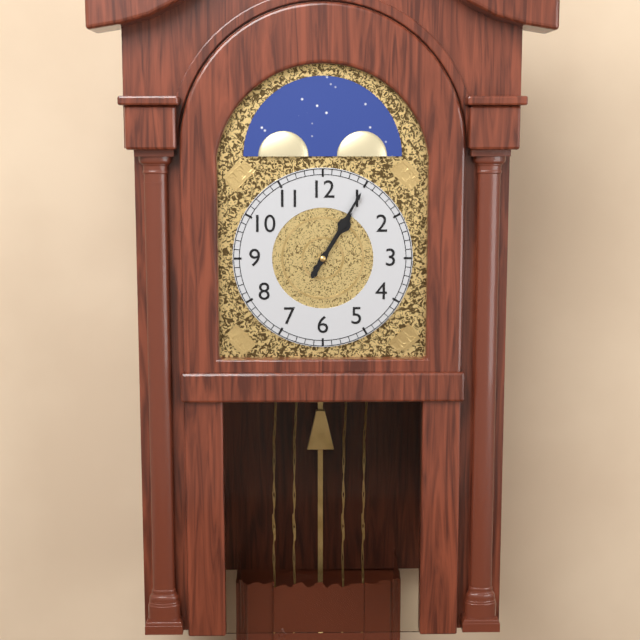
{"hour": 1, "minute": 5}
